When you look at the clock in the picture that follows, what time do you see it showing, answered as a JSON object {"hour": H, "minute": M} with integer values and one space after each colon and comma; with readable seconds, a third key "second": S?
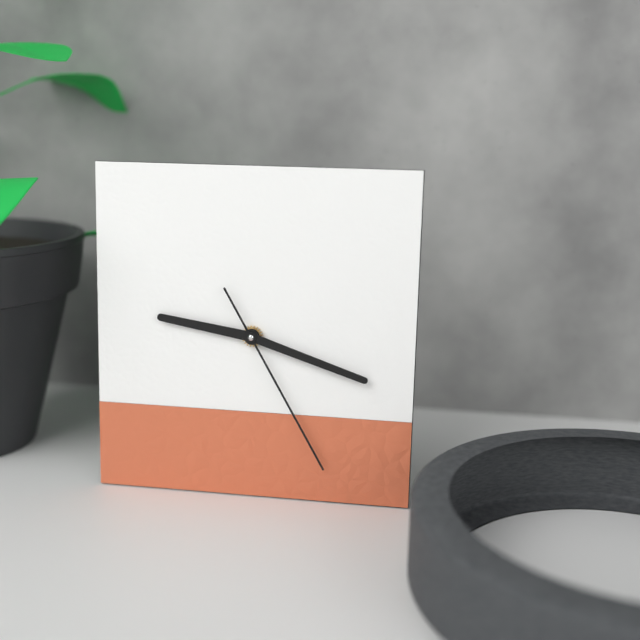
{"hour": 9, "minute": 18, "second": 25}
